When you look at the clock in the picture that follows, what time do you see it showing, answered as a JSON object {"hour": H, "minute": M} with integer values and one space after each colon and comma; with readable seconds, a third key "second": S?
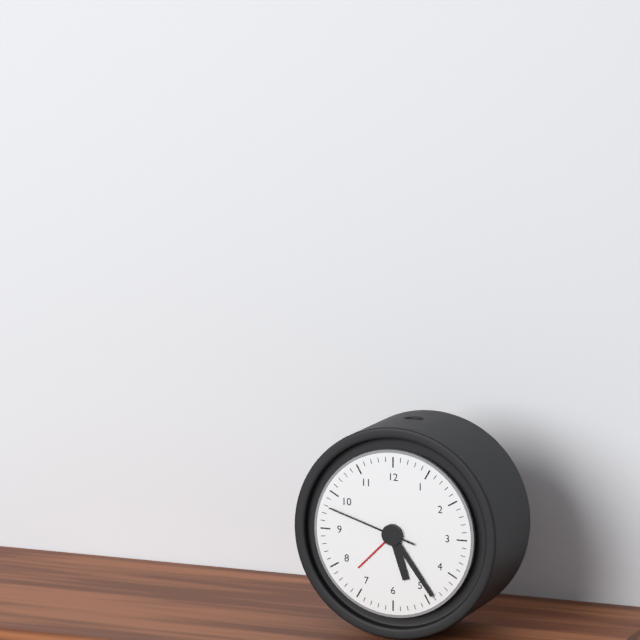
{"hour": 5, "minute": 24, "second": 48}
